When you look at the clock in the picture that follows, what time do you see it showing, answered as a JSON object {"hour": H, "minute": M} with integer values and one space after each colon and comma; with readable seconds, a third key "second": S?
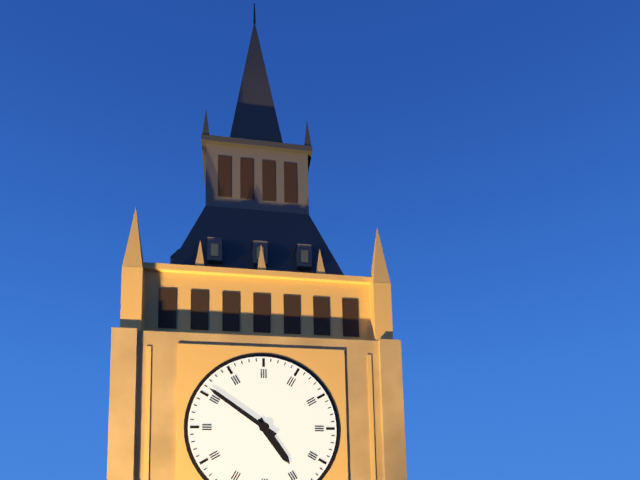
{"hour": 4, "minute": 51}
